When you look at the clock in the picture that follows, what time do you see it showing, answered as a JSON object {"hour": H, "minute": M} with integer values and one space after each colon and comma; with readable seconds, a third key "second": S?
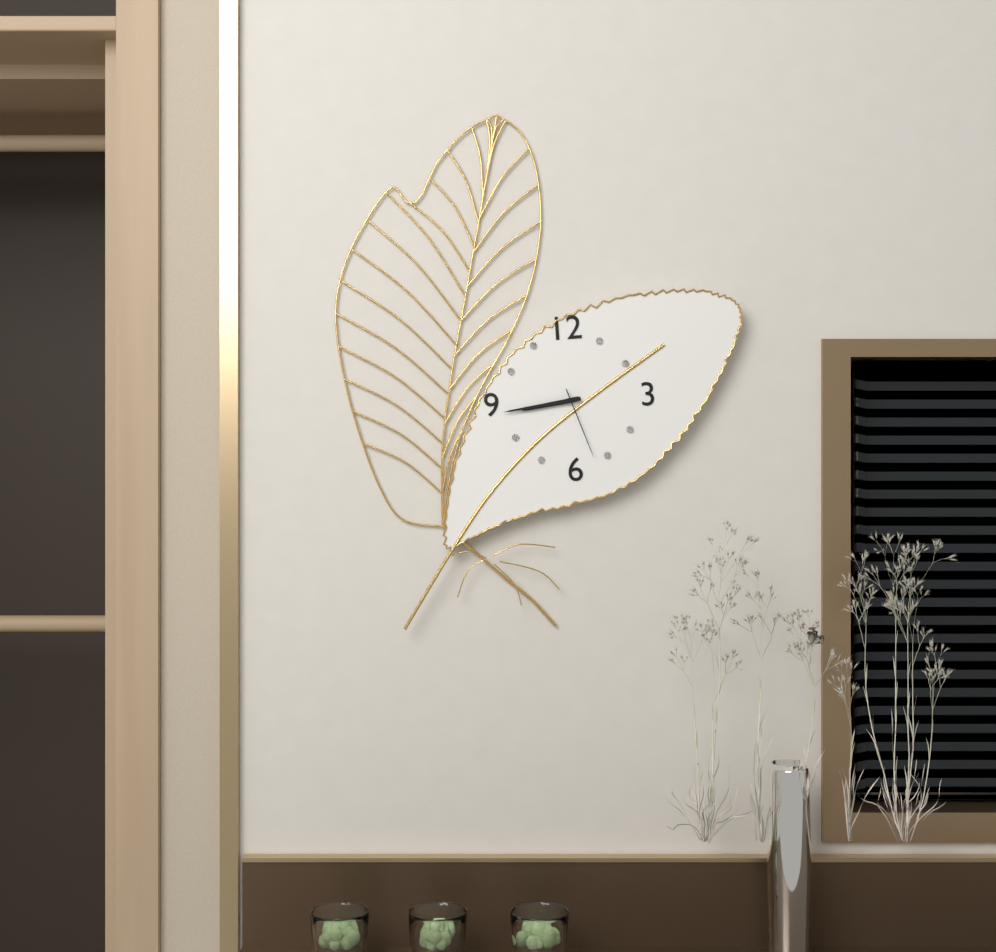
{"hour": 8, "minute": 44, "second": 27}
